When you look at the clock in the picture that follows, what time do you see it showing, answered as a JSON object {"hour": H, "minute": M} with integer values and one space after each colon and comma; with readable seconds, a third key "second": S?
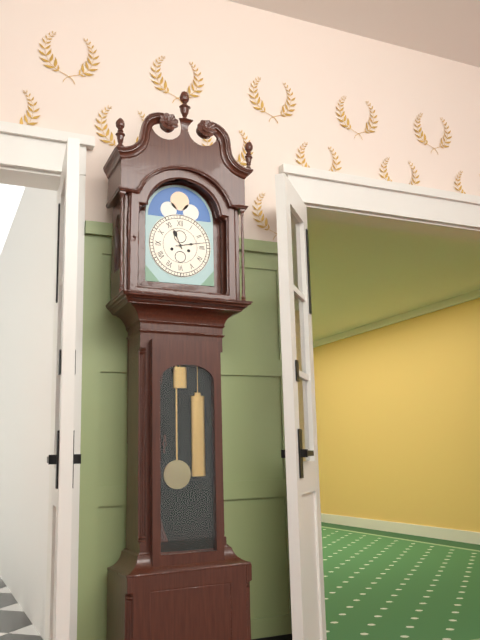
{"hour": 11, "minute": 13}
